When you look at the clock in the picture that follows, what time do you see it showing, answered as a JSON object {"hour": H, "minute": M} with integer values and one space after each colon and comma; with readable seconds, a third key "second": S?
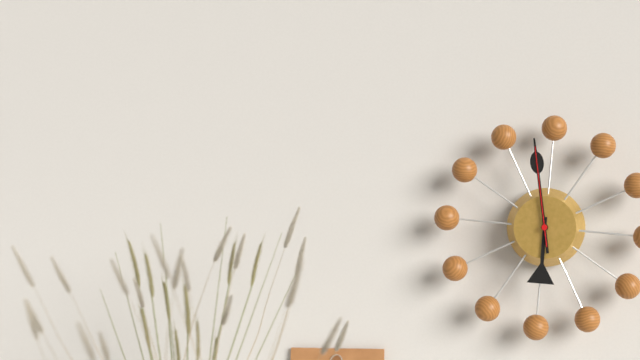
{"hour": 5, "minute": 58, "second": 58}
